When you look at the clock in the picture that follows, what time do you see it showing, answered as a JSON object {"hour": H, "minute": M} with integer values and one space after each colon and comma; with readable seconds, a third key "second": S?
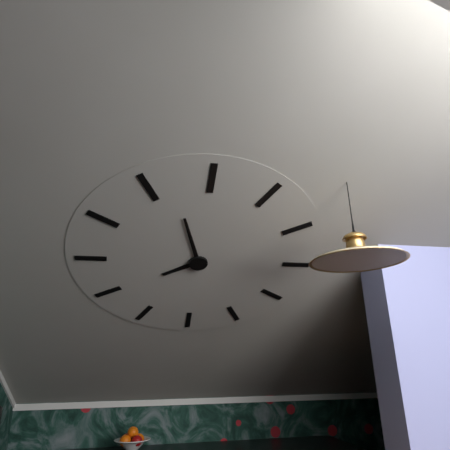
{"hour": 7, "minute": 57}
